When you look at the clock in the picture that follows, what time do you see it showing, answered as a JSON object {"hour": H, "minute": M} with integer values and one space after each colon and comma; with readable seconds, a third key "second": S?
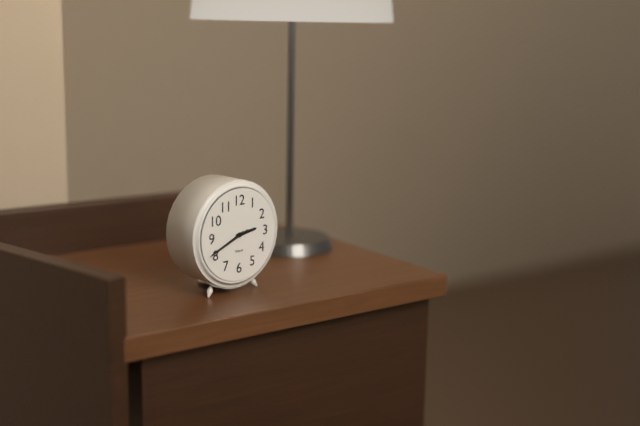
{"hour": 2, "minute": 41}
